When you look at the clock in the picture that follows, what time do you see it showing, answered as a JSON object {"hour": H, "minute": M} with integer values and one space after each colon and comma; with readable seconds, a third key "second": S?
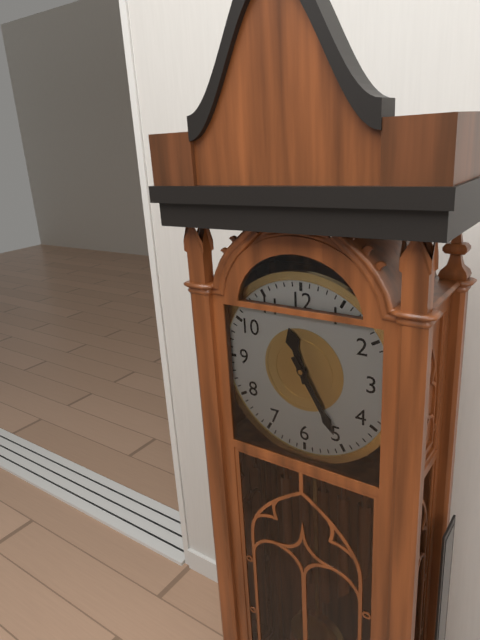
{"hour": 11, "minute": 25}
